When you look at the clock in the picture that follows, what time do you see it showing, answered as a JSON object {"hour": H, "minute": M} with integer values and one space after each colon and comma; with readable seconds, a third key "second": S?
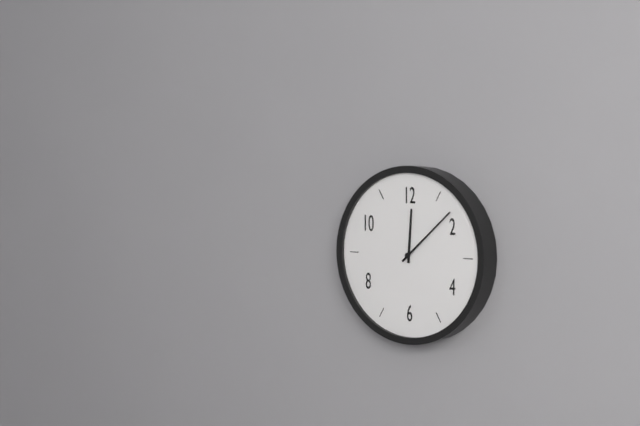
{"hour": 12, "minute": 8}
